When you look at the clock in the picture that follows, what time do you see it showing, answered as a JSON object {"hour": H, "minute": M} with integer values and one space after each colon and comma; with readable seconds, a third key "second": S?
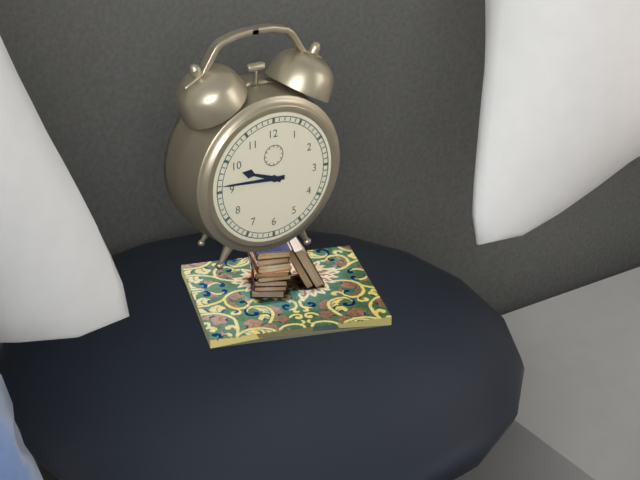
{"hour": 9, "minute": 46}
